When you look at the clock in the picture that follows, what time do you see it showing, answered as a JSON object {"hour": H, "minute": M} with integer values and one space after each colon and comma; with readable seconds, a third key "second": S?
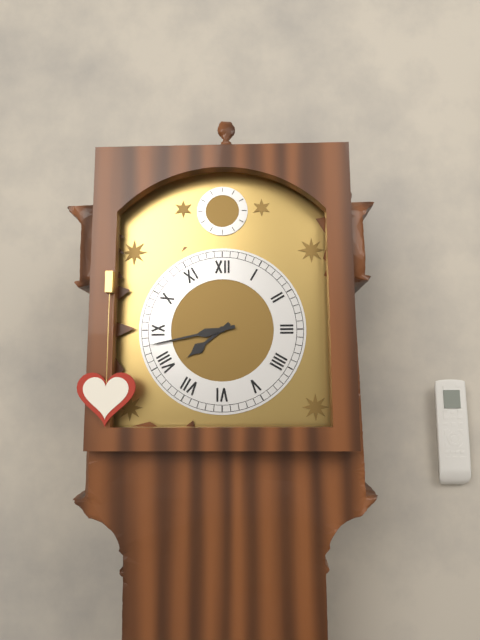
{"hour": 7, "minute": 43}
